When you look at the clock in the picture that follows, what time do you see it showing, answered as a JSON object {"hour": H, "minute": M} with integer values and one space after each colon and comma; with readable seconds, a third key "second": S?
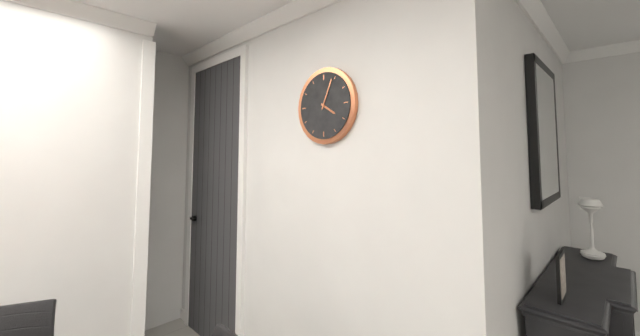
{"hour": 4, "minute": 4}
